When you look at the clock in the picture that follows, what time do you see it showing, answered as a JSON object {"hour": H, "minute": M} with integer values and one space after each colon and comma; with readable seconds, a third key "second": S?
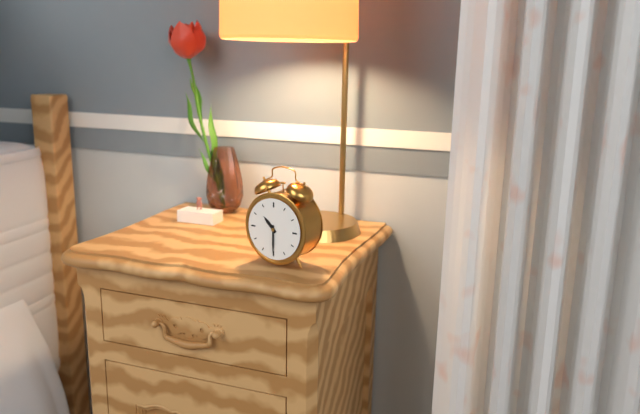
{"hour": 10, "minute": 30}
